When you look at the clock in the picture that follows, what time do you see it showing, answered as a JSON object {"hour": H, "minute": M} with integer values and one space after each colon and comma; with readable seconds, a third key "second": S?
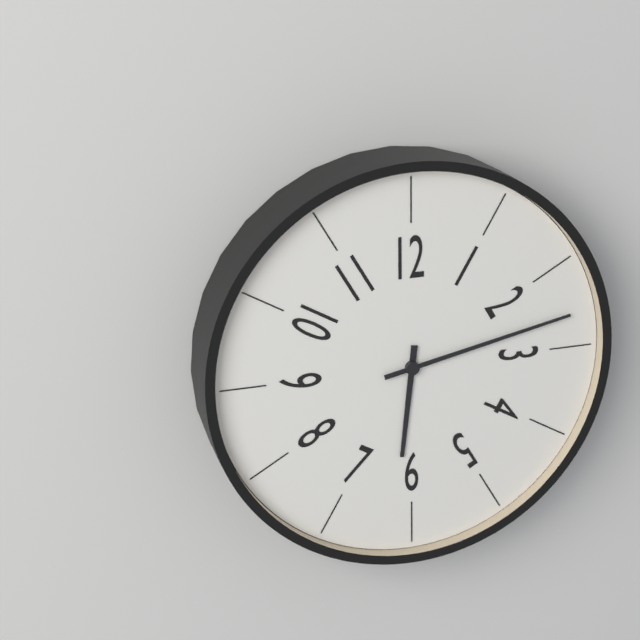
{"hour": 6, "minute": 13}
